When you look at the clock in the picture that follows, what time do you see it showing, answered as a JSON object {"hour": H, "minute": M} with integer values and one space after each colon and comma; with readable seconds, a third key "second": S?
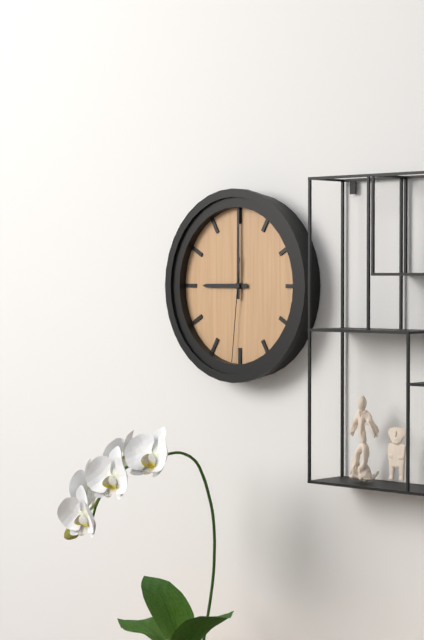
{"hour": 9, "minute": 0, "second": 31}
